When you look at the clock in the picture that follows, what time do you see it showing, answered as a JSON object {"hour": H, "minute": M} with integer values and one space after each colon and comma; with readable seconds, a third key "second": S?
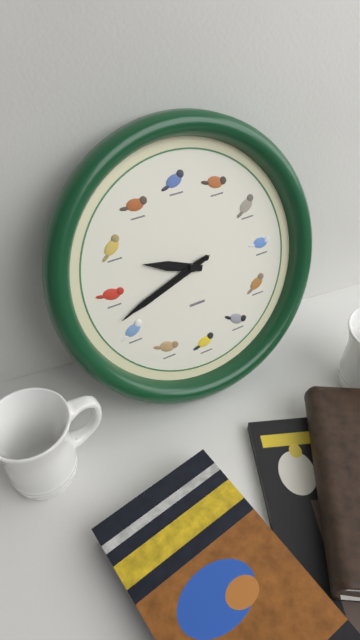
{"hour": 9, "minute": 42, "second": 42}
